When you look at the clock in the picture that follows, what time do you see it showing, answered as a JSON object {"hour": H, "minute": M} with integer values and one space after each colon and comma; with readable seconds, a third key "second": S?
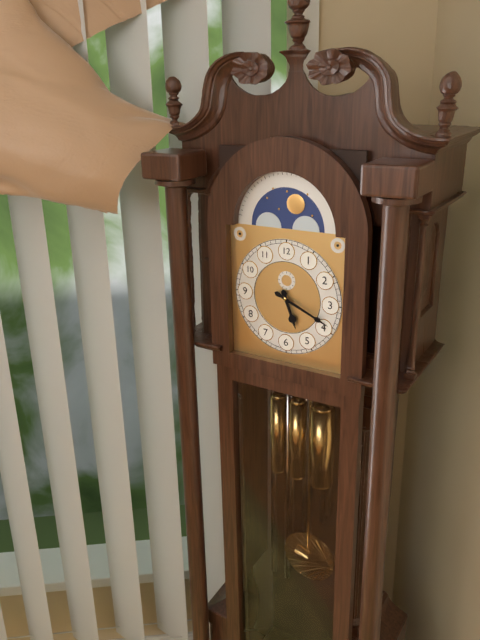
{"hour": 5, "minute": 19}
